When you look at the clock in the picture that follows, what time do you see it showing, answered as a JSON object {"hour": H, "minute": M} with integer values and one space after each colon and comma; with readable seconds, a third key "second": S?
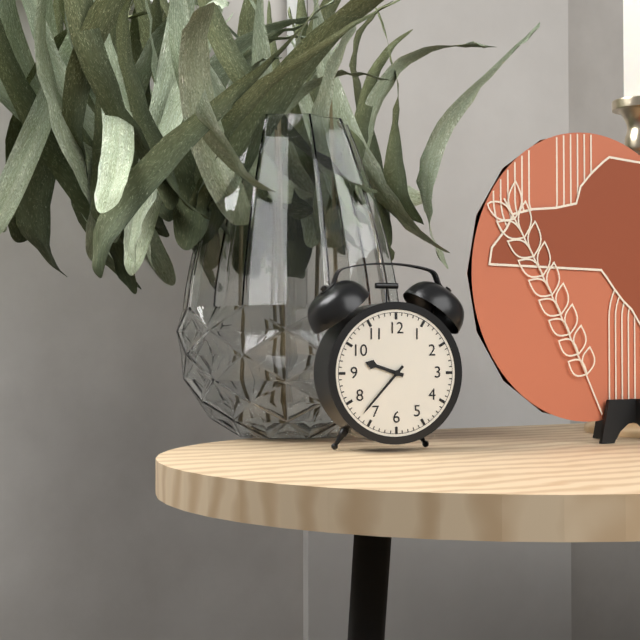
{"hour": 9, "minute": 37}
